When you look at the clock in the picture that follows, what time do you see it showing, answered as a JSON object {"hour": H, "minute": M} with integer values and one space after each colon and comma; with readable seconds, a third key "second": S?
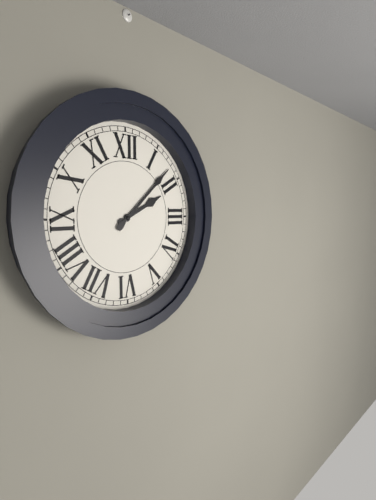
{"hour": 2, "minute": 8}
